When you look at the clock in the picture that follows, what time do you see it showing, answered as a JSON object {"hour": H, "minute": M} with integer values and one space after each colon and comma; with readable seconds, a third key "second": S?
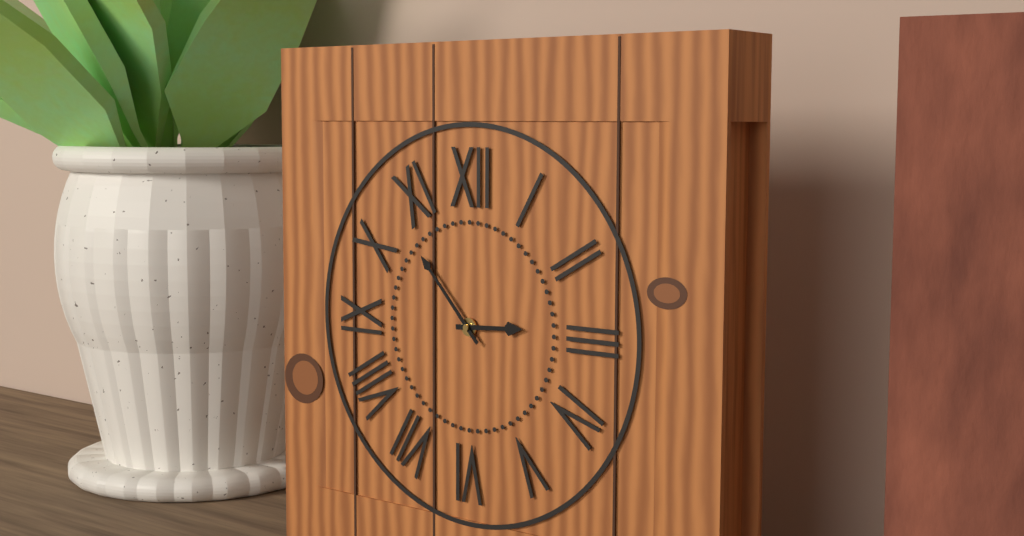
{"hour": 2, "minute": 53}
